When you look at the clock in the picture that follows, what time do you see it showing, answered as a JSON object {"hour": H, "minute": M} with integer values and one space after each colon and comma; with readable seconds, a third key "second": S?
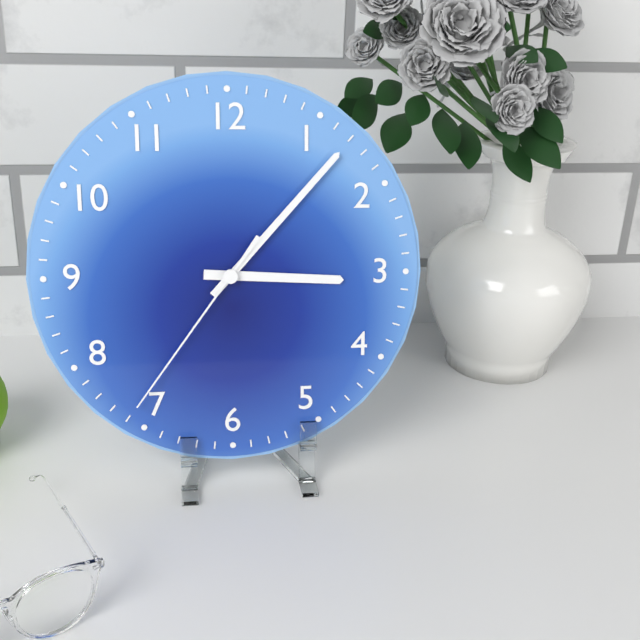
{"hour": 3, "minute": 7, "second": 36}
